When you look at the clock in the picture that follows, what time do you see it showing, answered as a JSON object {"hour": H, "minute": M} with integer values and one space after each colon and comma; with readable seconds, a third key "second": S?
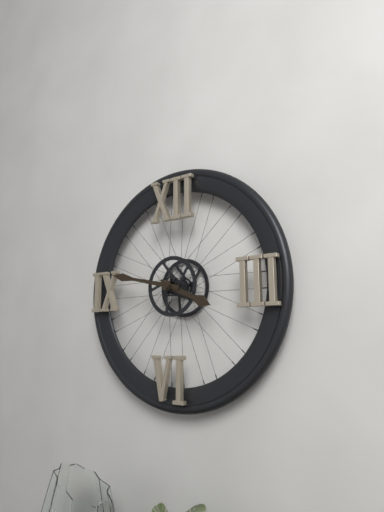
{"hour": 3, "minute": 47}
